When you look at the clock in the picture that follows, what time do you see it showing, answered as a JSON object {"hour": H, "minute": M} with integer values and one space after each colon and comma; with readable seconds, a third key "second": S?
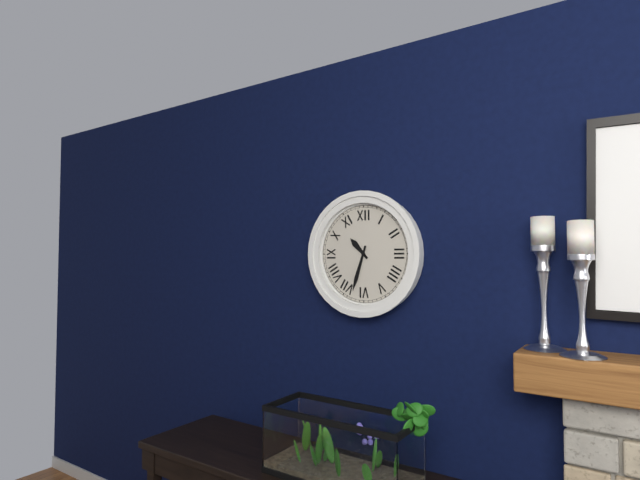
{"hour": 10, "minute": 33}
